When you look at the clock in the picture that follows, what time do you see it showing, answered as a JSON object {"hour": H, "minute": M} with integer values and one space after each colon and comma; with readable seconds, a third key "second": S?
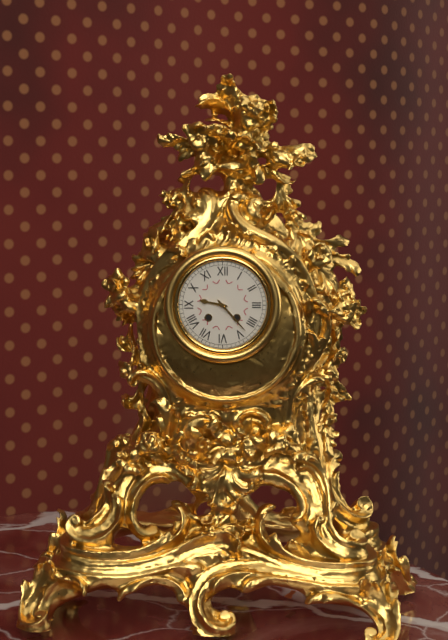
{"hour": 9, "minute": 23}
